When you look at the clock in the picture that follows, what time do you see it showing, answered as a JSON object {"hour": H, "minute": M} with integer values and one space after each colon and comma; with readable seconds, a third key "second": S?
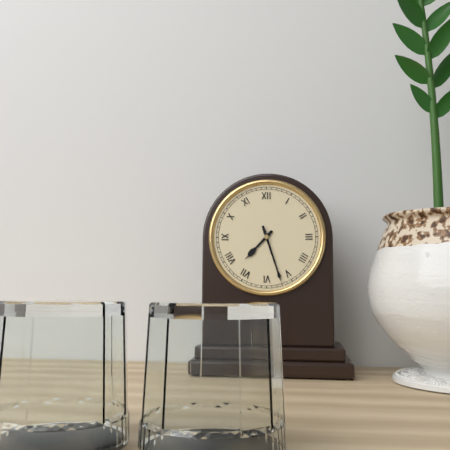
{"hour": 7, "minute": 27}
